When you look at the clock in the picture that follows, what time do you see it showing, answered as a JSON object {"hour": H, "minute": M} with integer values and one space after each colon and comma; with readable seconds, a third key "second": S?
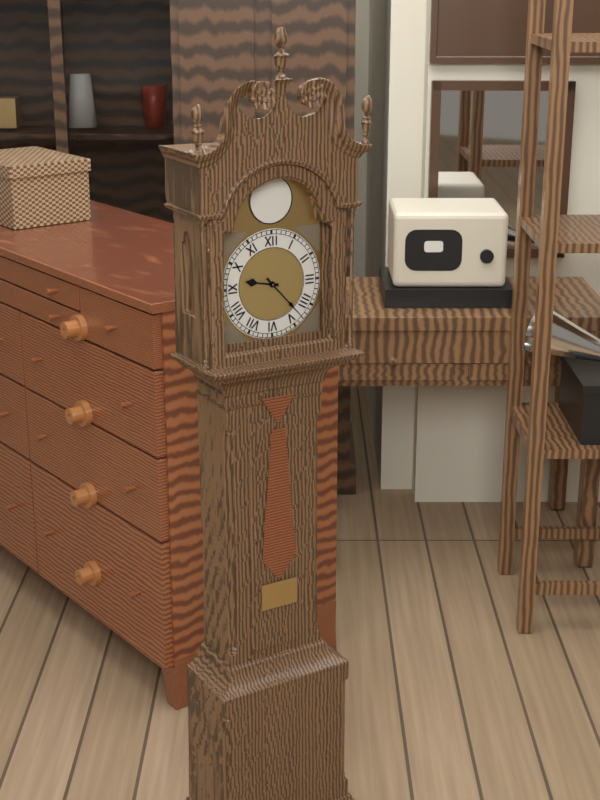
{"hour": 9, "minute": 23}
